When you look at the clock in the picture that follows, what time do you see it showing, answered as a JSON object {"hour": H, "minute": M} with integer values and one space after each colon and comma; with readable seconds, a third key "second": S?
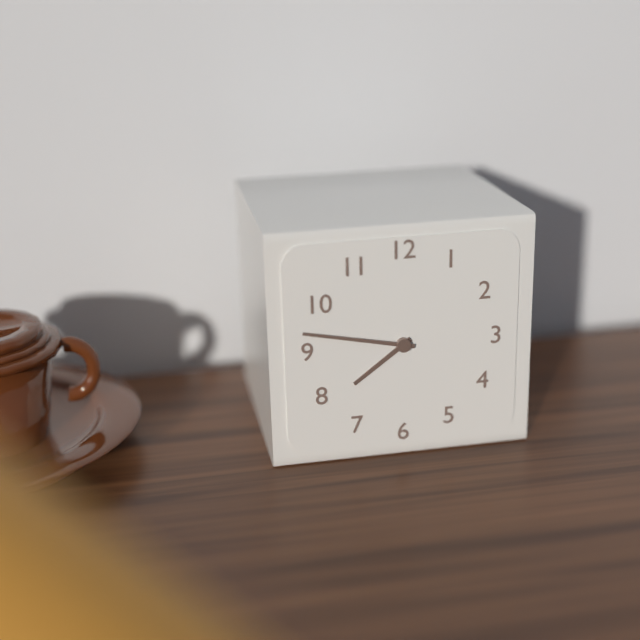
{"hour": 7, "minute": 47}
